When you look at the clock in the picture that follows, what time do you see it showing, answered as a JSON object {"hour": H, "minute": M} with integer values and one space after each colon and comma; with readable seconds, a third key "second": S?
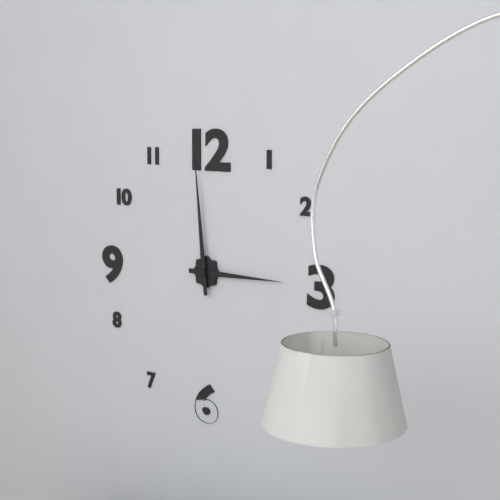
{"hour": 2, "minute": 59}
